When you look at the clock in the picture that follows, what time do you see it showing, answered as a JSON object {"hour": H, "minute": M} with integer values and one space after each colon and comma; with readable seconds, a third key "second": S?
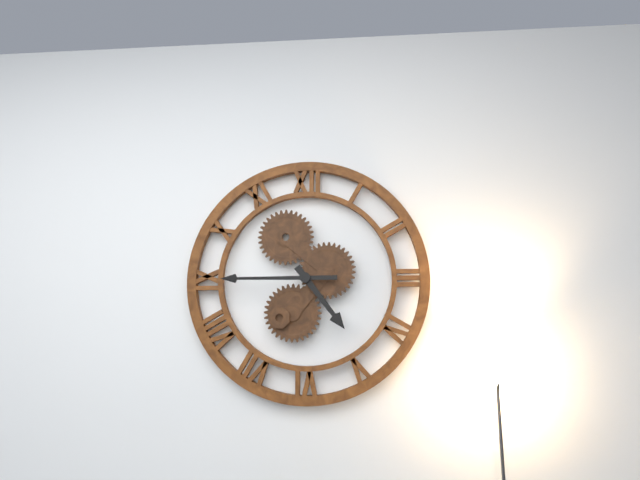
{"hour": 4, "minute": 45}
